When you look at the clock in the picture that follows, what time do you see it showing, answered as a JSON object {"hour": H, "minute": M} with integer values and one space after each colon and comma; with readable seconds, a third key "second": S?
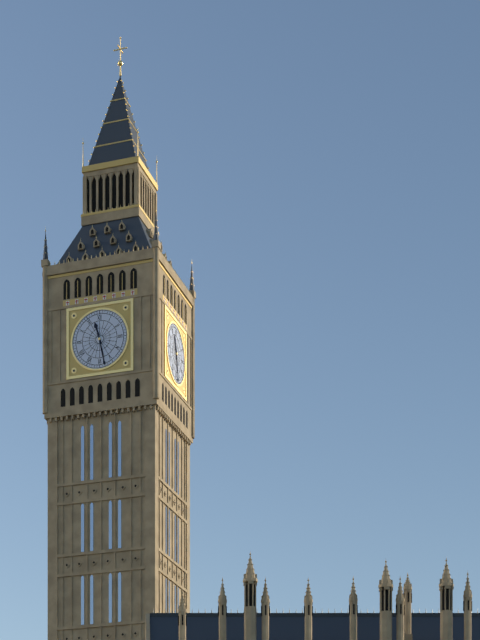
{"hour": 11, "minute": 28}
